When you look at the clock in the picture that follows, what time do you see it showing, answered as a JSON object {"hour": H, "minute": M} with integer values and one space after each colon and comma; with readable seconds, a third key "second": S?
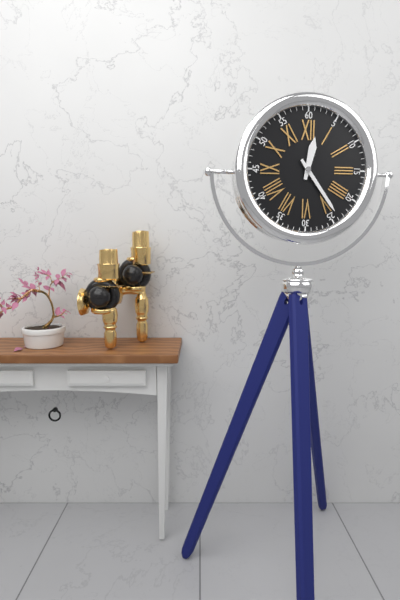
{"hour": 12, "minute": 24}
